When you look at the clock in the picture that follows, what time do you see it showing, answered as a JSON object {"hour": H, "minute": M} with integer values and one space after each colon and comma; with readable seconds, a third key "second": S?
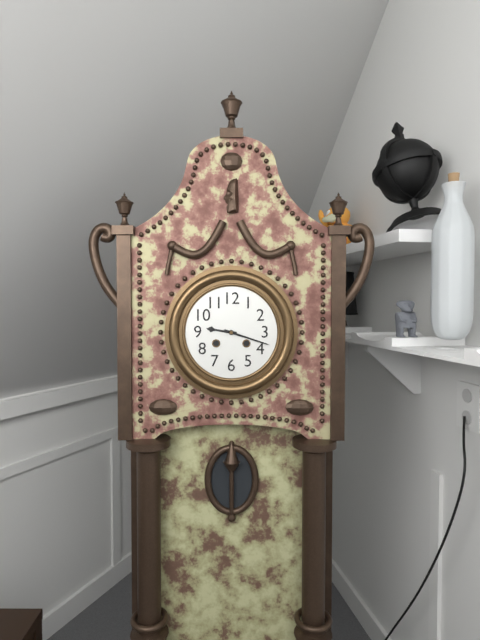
{"hour": 9, "minute": 18}
